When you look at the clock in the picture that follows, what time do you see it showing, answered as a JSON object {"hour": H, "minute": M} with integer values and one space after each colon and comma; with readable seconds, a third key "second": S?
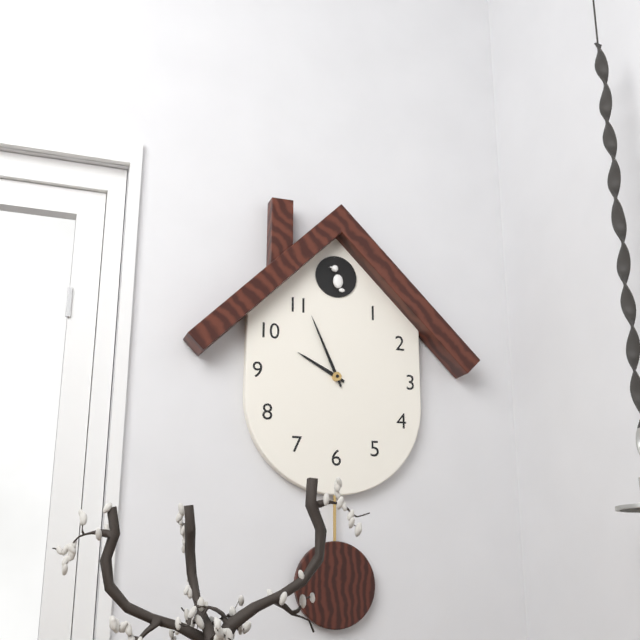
{"hour": 9, "minute": 56}
